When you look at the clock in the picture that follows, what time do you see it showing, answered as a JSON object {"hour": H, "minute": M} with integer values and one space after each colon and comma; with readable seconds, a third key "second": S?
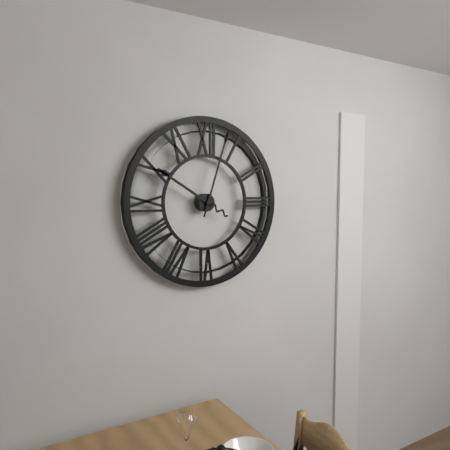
{"hour": 10, "minute": 3}
